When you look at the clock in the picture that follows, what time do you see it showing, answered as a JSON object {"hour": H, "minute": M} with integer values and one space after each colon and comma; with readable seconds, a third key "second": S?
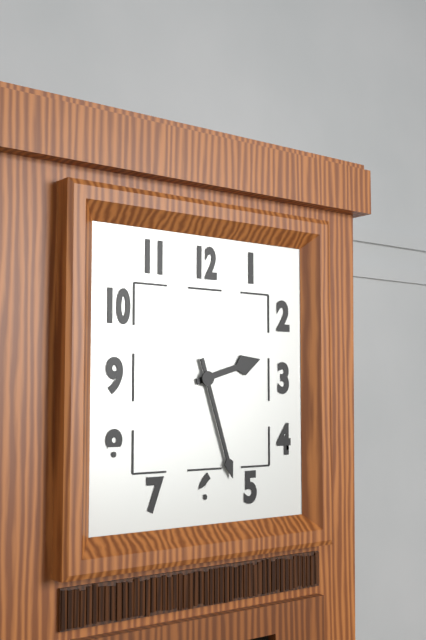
{"hour": 2, "minute": 27}
